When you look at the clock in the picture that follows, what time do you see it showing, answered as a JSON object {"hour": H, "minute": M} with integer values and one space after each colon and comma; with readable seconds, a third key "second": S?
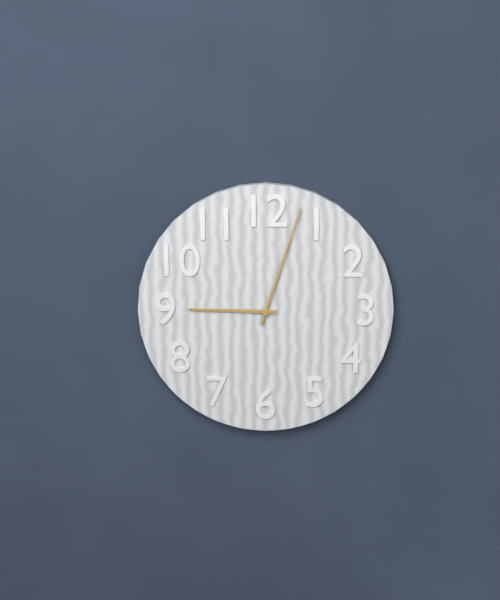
{"hour": 9, "minute": 3}
